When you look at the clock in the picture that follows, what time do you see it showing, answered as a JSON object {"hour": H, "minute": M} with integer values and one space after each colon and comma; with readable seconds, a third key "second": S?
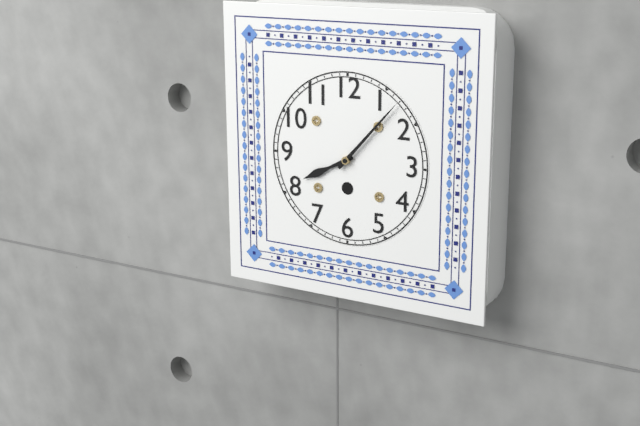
{"hour": 8, "minute": 7}
